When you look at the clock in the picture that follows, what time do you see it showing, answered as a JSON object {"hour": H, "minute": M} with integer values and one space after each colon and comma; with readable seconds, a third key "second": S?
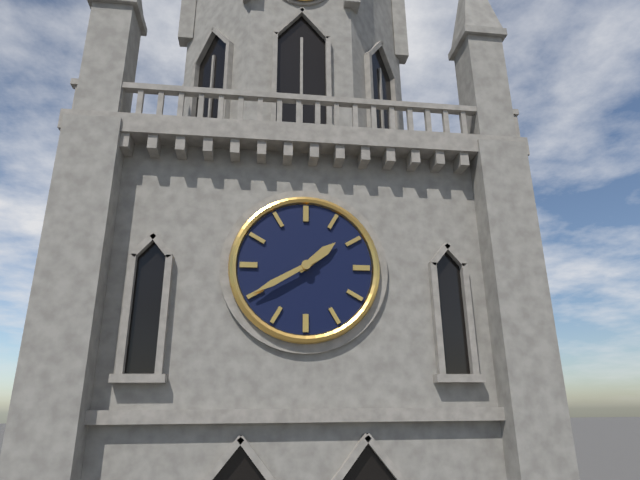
{"hour": 1, "minute": 40}
